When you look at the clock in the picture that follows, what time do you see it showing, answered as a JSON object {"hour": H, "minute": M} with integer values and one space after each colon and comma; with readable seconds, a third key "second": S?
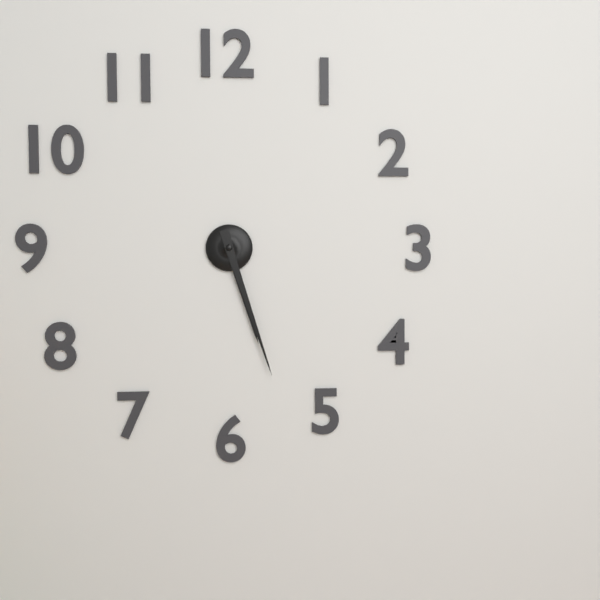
{"hour": 5, "minute": 27}
